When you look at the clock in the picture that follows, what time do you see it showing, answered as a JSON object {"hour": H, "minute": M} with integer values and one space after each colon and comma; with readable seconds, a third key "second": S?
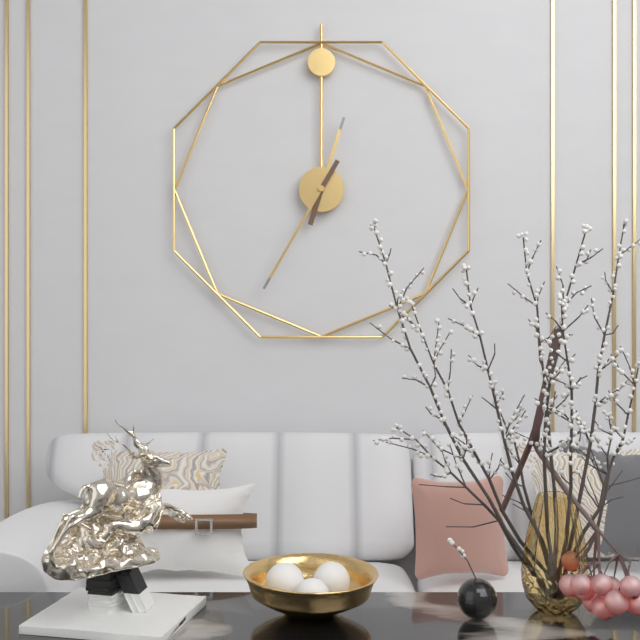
{"hour": 12, "minute": 35}
